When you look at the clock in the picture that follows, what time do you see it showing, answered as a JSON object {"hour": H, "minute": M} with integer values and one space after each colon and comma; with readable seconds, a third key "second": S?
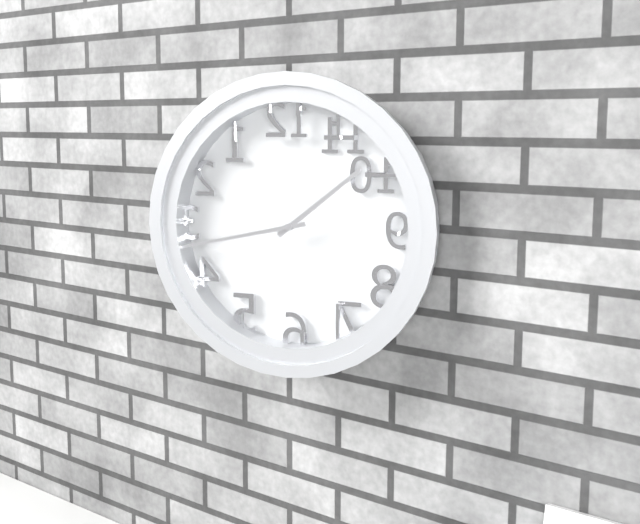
{"hour": 1, "minute": 43}
